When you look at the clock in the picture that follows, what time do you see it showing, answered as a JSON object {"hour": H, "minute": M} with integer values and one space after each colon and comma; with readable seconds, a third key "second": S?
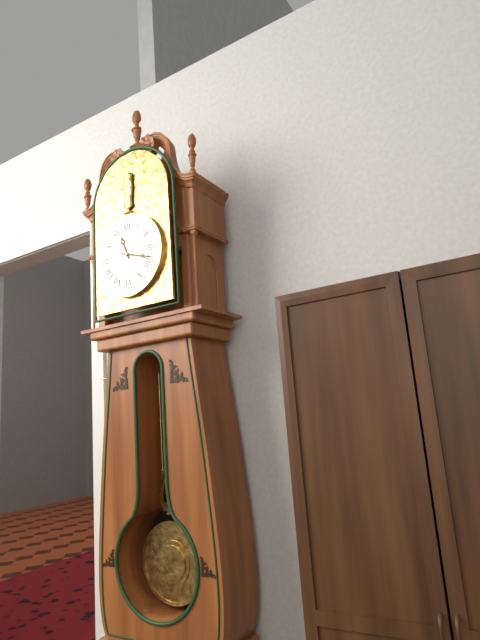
{"hour": 11, "minute": 18}
